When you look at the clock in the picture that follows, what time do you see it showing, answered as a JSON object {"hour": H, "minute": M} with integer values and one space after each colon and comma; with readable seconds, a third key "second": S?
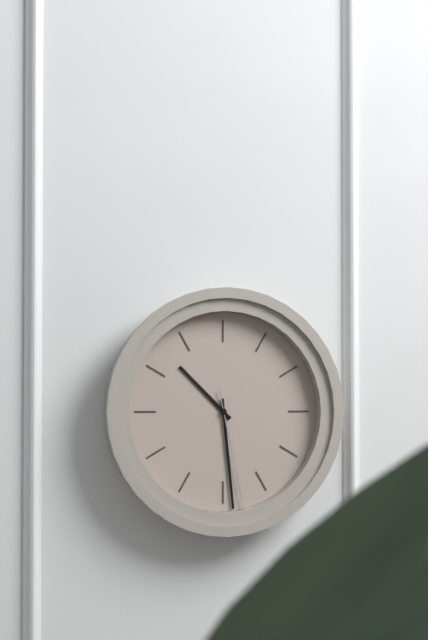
{"hour": 10, "minute": 29, "second": 28}
